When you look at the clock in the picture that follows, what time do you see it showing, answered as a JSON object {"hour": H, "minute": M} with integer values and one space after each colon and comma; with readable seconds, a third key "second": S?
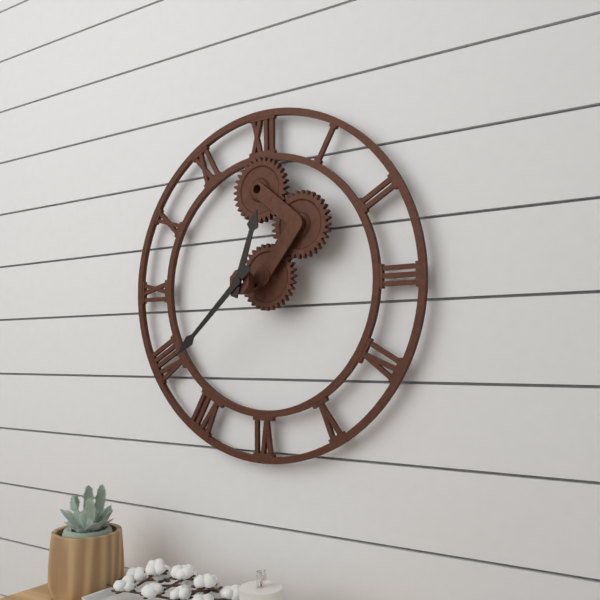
{"hour": 12, "minute": 38}
